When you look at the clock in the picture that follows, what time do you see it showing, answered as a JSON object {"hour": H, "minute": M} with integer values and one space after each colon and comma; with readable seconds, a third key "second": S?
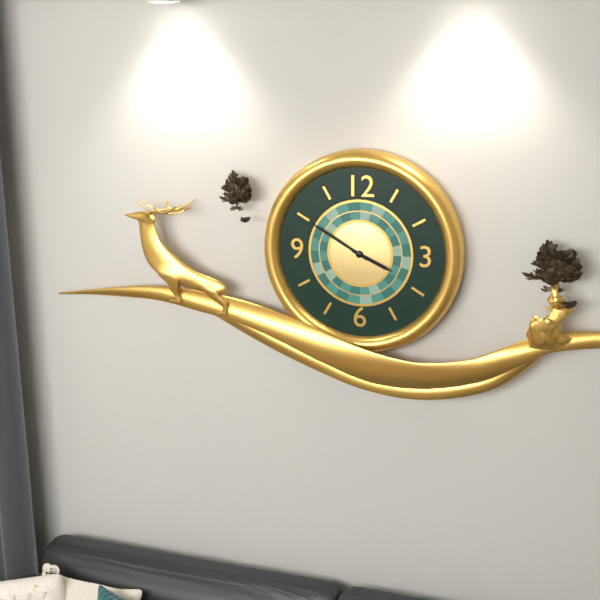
{"hour": 3, "minute": 50}
